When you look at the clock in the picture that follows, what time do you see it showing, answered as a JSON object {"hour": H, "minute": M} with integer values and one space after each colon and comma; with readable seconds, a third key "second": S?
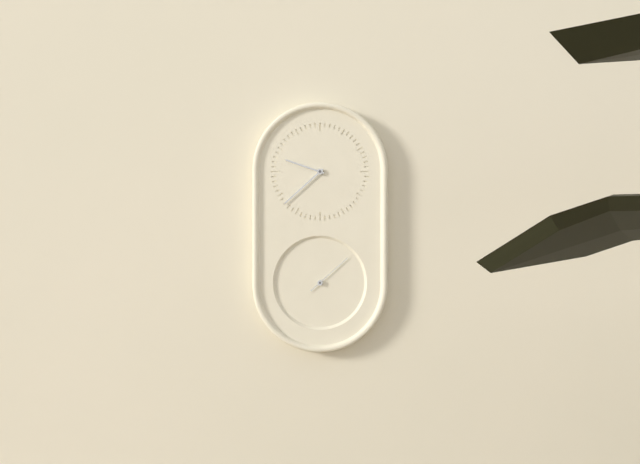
{"hour": 9, "minute": 38}
